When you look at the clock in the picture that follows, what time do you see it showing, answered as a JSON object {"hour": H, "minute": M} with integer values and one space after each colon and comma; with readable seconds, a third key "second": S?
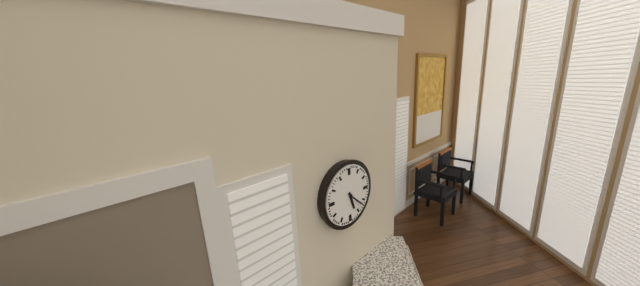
{"hour": 5, "minute": 22}
